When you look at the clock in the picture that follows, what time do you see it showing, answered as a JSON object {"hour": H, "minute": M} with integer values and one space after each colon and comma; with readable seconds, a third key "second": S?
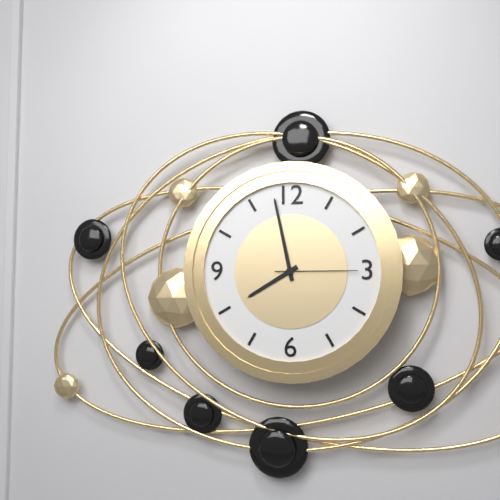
{"hour": 7, "minute": 58, "second": 15}
